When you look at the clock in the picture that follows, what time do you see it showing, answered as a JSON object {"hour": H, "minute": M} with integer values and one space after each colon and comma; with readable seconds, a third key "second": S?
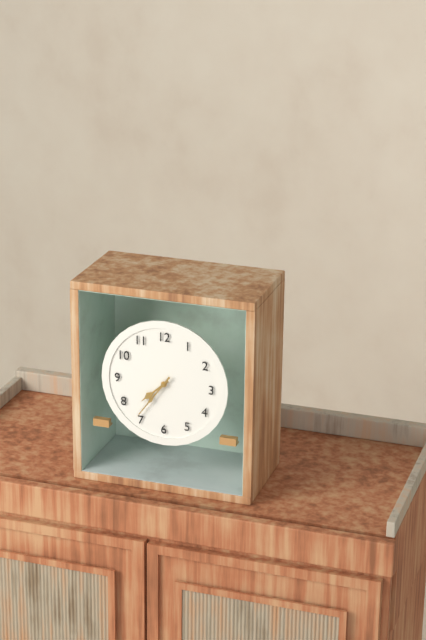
{"hour": 7, "minute": 36}
